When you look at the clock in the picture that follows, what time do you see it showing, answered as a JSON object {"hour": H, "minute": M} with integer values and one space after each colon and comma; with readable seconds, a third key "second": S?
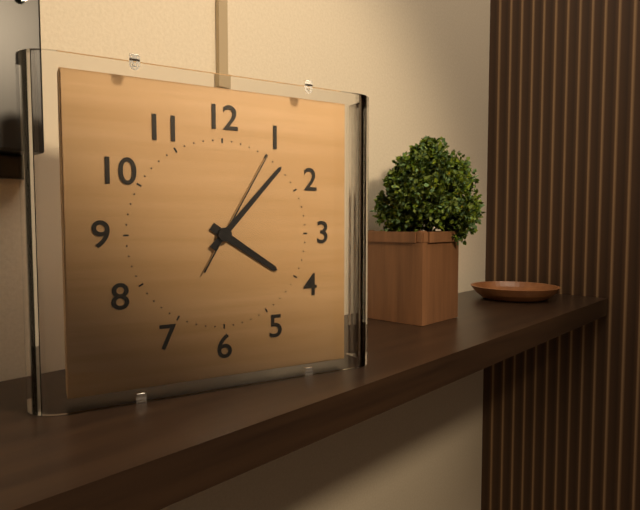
{"hour": 4, "minute": 7, "second": 5}
